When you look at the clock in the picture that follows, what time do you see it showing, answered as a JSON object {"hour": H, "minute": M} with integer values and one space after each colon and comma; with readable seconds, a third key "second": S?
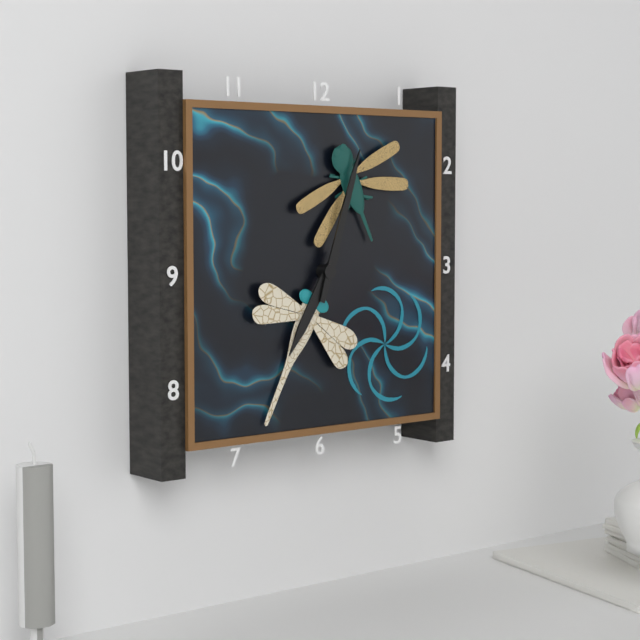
{"hour": 7, "minute": 3}
